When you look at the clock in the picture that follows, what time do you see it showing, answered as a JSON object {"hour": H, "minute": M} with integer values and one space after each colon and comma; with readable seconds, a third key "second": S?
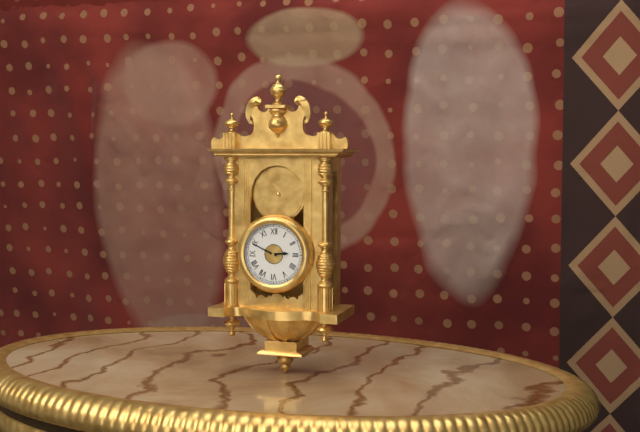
{"hour": 2, "minute": 49}
